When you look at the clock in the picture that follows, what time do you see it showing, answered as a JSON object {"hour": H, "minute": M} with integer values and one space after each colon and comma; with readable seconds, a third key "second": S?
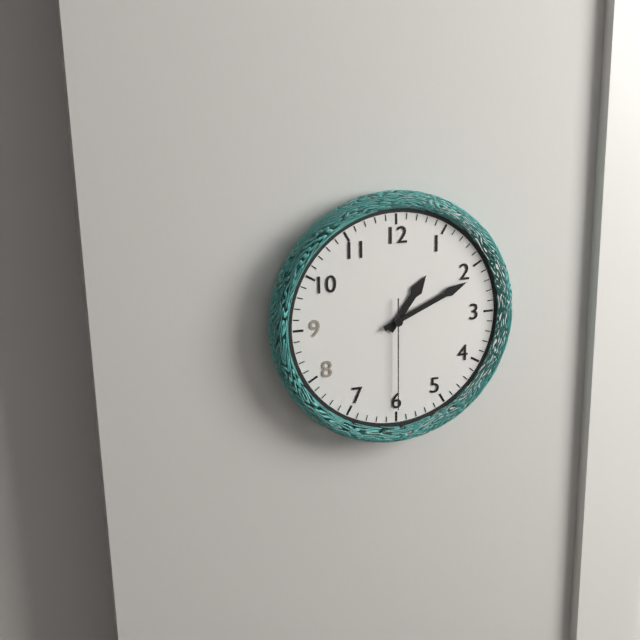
{"hour": 1, "minute": 11, "second": 30}
